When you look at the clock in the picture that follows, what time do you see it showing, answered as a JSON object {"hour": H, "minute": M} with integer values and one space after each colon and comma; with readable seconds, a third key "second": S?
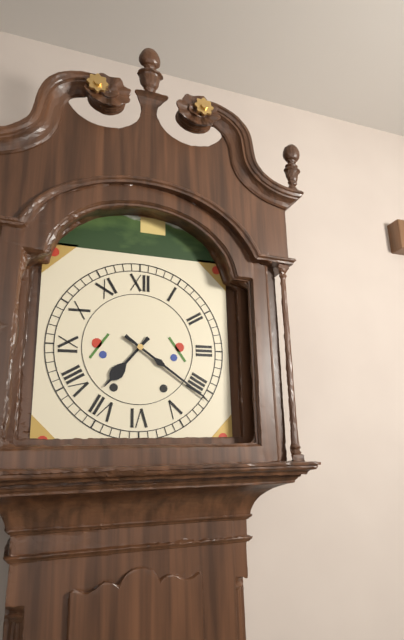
{"hour": 7, "minute": 21}
